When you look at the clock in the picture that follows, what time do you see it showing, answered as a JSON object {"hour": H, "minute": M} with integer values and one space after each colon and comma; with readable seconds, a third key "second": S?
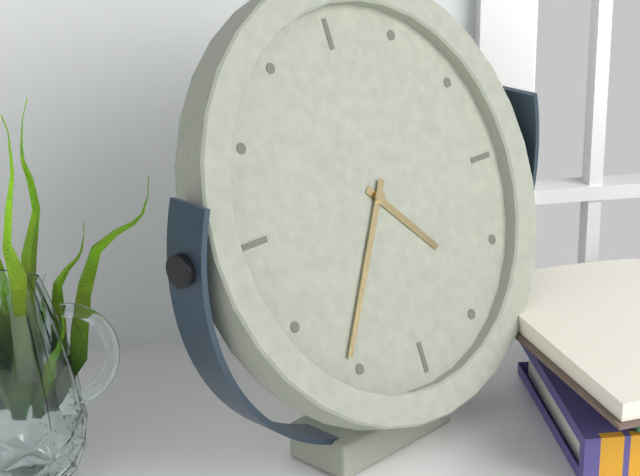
{"hour": 4, "minute": 36}
